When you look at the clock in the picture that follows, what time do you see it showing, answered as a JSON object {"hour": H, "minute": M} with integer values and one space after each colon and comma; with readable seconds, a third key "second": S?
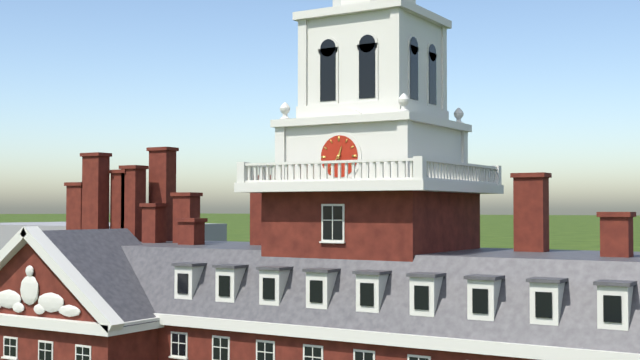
{"hour": 12, "minute": 37}
